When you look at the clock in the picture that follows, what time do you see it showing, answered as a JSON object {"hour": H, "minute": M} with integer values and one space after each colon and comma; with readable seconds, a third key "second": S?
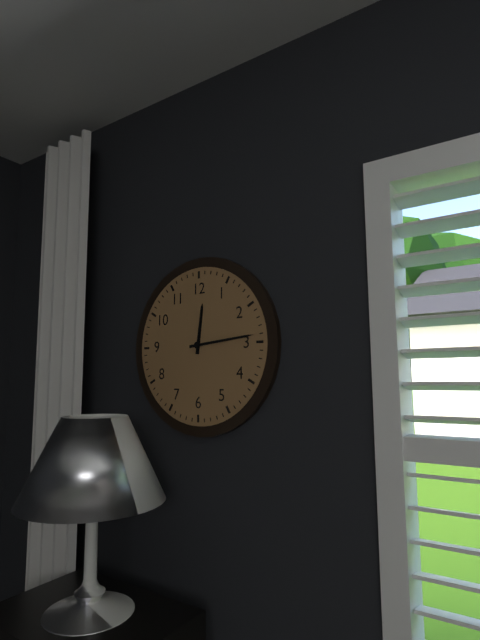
{"hour": 12, "minute": 14}
